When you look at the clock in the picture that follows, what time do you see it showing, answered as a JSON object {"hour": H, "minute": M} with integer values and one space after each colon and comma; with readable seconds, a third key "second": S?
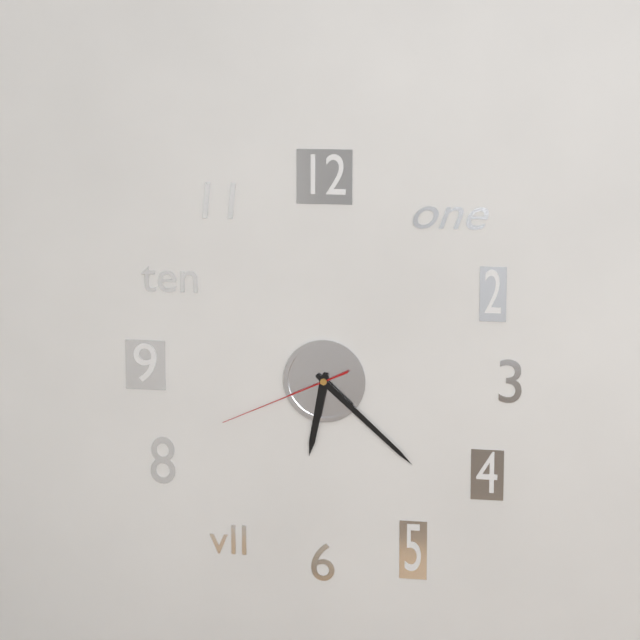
{"hour": 6, "minute": 22, "second": 41}
